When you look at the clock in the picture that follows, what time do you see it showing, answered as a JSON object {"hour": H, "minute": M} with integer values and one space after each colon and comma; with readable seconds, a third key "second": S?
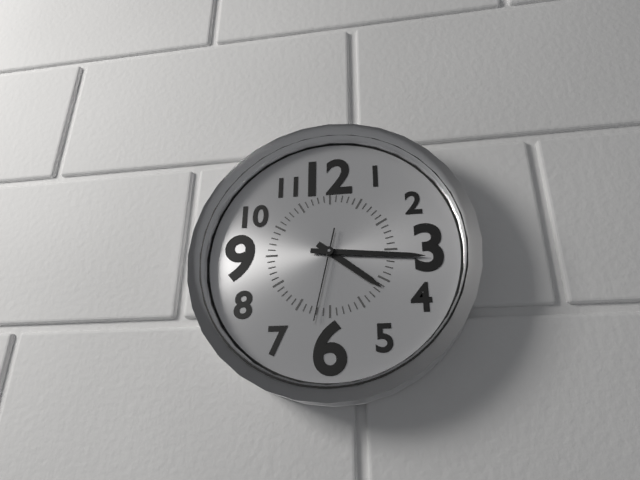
{"hour": 4, "minute": 16, "second": 32}
